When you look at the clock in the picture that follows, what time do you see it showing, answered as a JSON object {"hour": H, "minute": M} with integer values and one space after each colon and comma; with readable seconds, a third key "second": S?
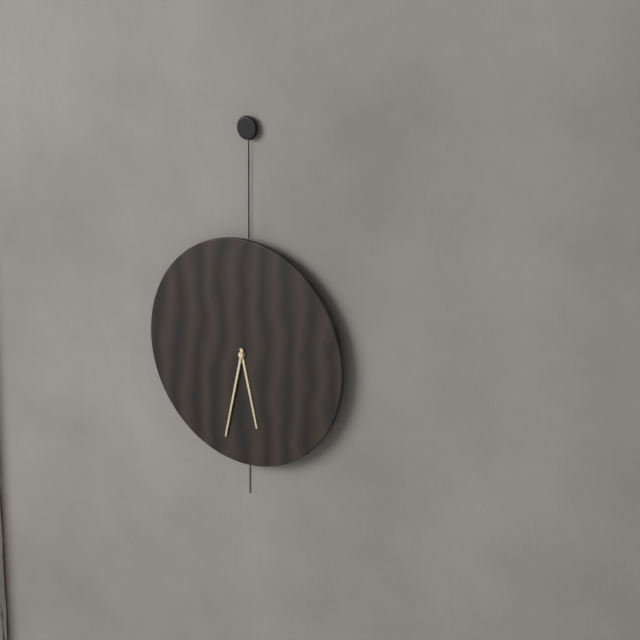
{"hour": 5, "minute": 32}
